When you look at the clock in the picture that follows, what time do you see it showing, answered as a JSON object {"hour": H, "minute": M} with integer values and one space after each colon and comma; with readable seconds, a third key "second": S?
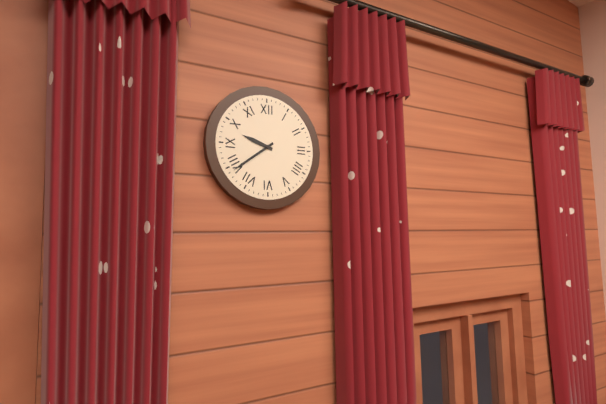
{"hour": 9, "minute": 39}
